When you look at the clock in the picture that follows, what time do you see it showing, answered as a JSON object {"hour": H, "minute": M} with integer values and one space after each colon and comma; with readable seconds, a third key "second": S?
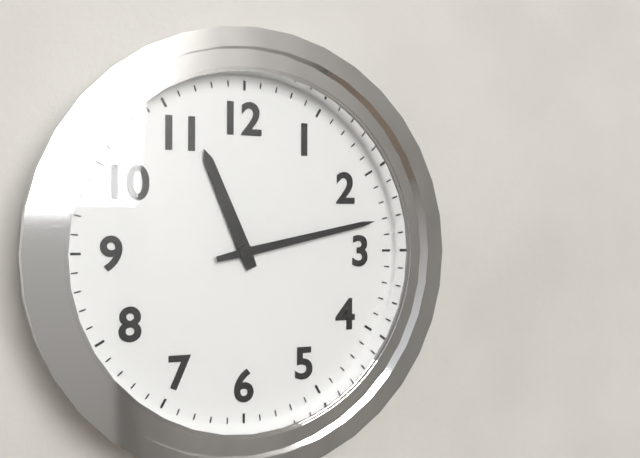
{"hour": 11, "minute": 13}
